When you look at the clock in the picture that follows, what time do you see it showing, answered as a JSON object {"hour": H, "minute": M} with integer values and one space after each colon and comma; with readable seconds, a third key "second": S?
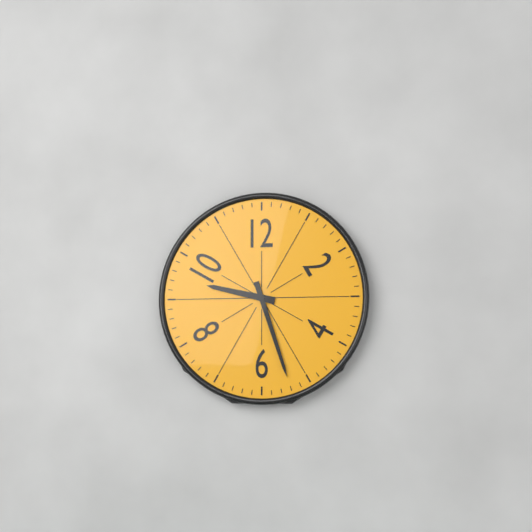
{"hour": 9, "minute": 27}
